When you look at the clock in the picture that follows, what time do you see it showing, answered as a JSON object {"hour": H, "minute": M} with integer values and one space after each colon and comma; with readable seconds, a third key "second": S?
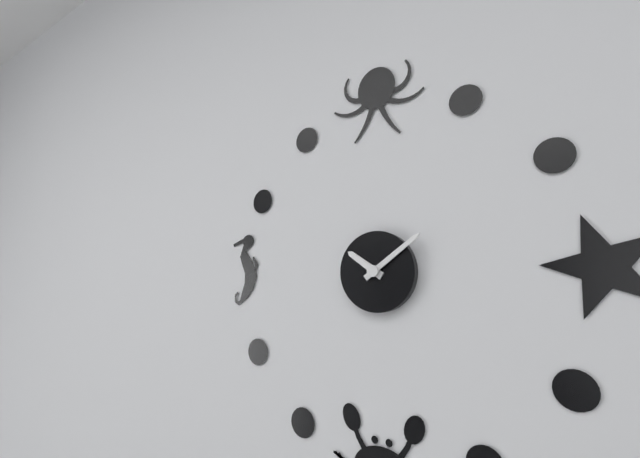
{"hour": 10, "minute": 9}
